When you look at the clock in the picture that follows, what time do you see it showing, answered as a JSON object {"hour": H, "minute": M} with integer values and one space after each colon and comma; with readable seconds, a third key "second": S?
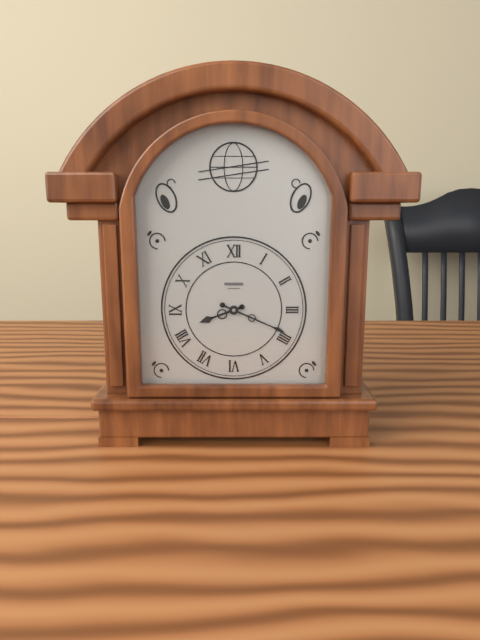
{"hour": 8, "minute": 19}
